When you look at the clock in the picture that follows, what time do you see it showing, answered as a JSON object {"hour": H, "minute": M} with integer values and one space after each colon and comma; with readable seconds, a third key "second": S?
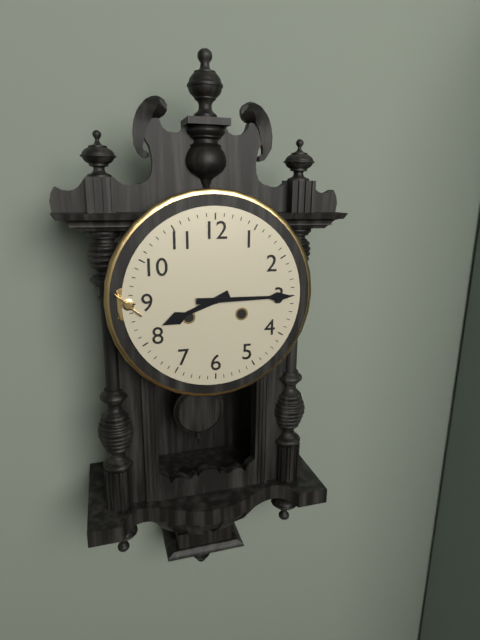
{"hour": 8, "minute": 15}
